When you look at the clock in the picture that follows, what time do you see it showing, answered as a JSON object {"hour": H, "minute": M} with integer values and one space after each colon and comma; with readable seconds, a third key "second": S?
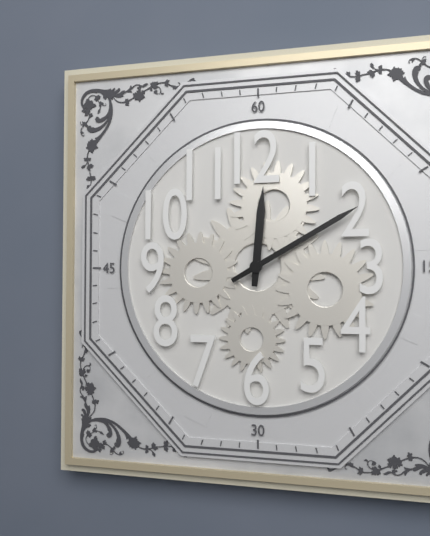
{"hour": 12, "minute": 10}
